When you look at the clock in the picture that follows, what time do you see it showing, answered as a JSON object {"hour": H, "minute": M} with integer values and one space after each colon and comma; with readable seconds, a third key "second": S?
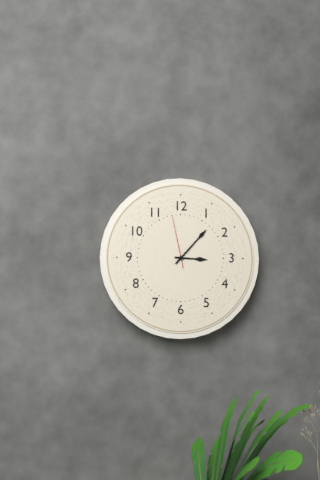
{"hour": 3, "minute": 7, "second": 58}
